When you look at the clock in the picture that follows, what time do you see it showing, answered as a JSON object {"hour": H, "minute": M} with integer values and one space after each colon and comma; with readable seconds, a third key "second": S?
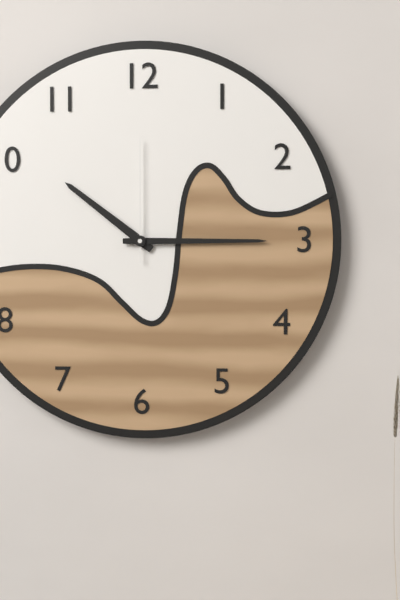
{"hour": 10, "minute": 15, "second": 0}
